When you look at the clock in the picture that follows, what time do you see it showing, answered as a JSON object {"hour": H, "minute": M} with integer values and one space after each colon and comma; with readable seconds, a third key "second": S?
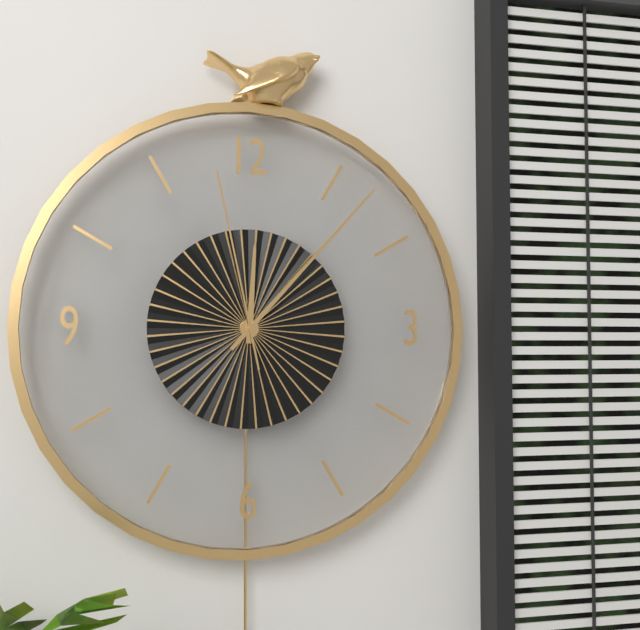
{"hour": 12, "minute": 7, "second": 58}
